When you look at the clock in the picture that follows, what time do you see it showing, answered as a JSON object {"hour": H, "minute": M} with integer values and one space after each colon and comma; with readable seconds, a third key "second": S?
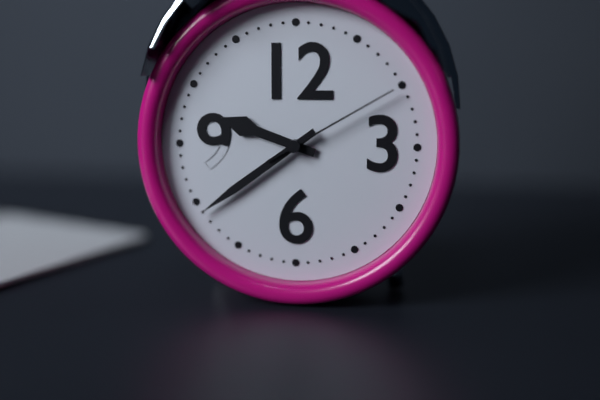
{"hour": 9, "minute": 39, "second": 10}
